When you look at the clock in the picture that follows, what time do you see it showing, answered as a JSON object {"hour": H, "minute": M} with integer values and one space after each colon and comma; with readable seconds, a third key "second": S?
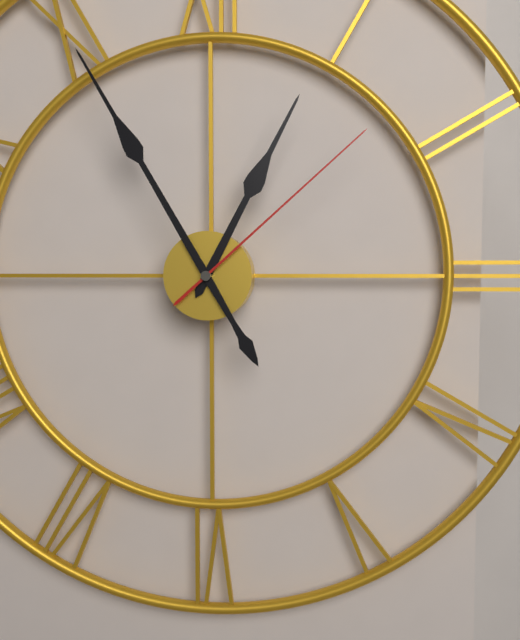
{"hour": 12, "minute": 55, "second": 8}
